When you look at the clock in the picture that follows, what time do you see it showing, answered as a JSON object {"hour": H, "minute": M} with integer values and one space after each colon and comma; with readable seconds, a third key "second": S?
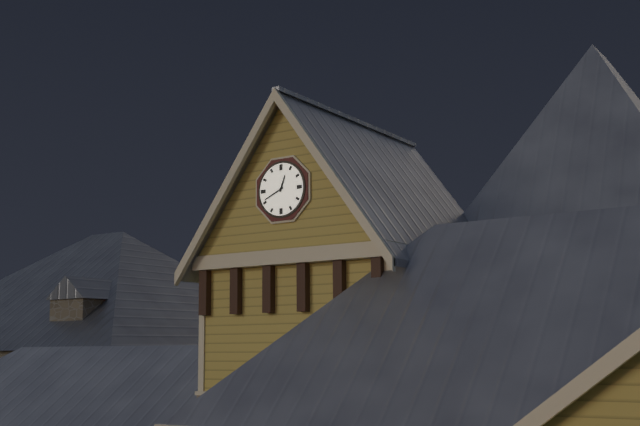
{"hour": 12, "minute": 41}
